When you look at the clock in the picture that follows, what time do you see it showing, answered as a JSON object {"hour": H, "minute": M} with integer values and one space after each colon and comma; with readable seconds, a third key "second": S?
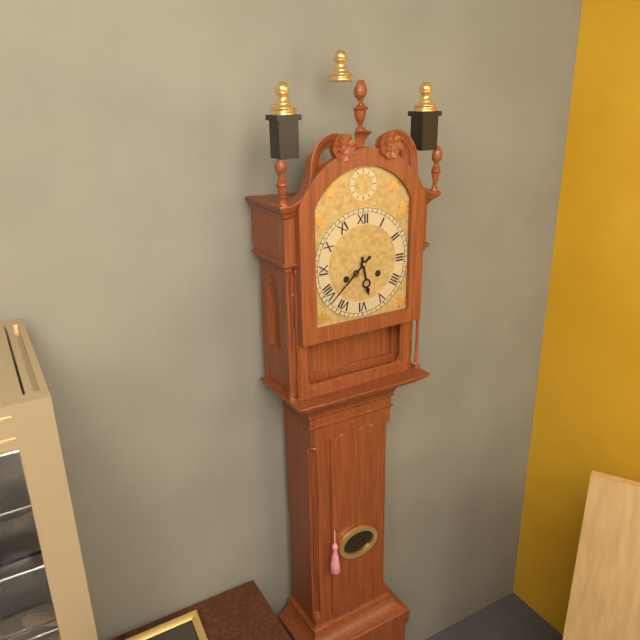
{"hour": 5, "minute": 38}
